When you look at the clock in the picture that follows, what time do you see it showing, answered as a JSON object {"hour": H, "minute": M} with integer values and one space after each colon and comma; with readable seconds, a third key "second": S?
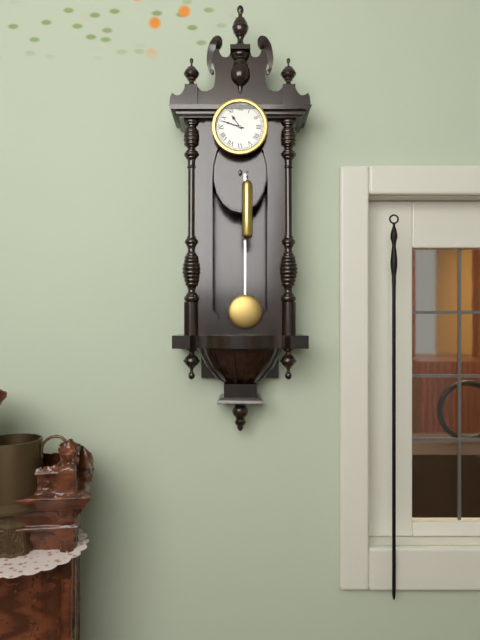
{"hour": 10, "minute": 48}
